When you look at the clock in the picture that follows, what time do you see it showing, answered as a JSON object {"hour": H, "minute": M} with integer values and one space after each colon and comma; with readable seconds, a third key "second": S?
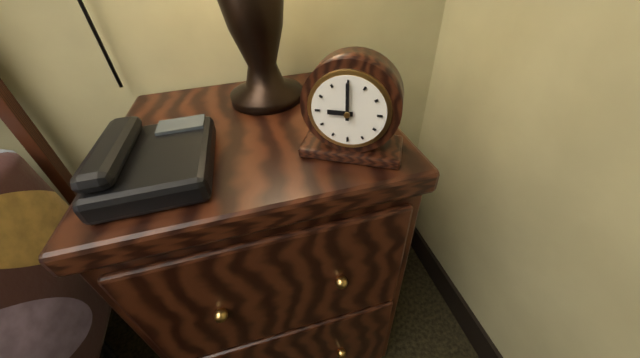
{"hour": 9, "minute": 0}
